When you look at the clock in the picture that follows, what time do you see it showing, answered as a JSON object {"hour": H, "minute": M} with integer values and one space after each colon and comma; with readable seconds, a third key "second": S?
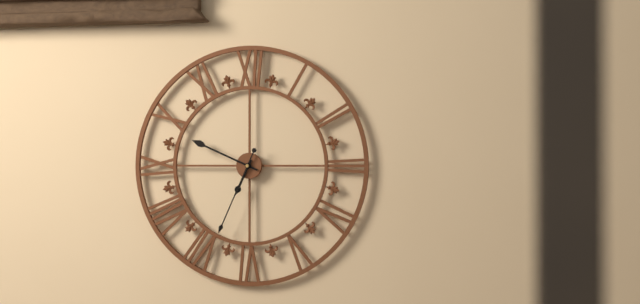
{"hour": 6, "minute": 49, "second": 34}
